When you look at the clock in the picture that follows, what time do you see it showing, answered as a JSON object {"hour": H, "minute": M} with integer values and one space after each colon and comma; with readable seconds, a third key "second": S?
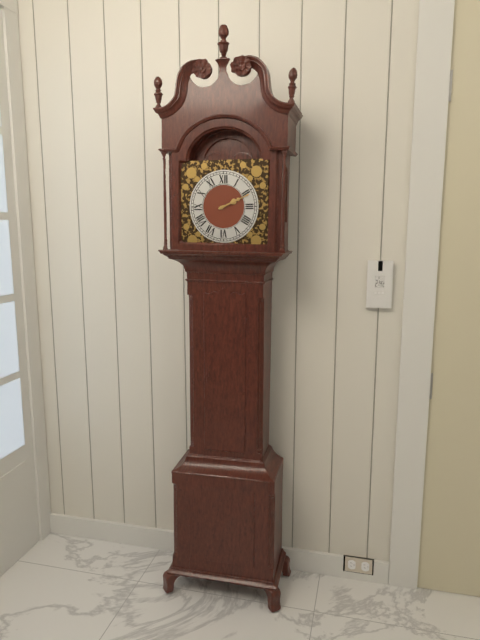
{"hour": 2, "minute": 11}
